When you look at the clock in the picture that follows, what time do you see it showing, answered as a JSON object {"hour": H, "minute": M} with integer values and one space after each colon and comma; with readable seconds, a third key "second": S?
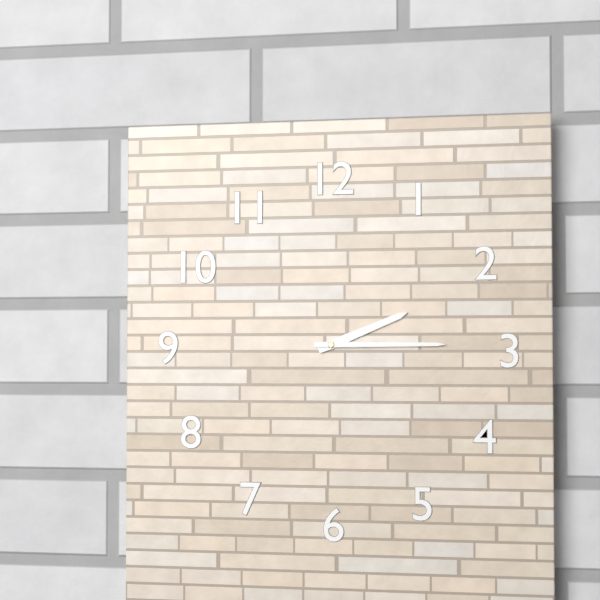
{"hour": 2, "minute": 15}
